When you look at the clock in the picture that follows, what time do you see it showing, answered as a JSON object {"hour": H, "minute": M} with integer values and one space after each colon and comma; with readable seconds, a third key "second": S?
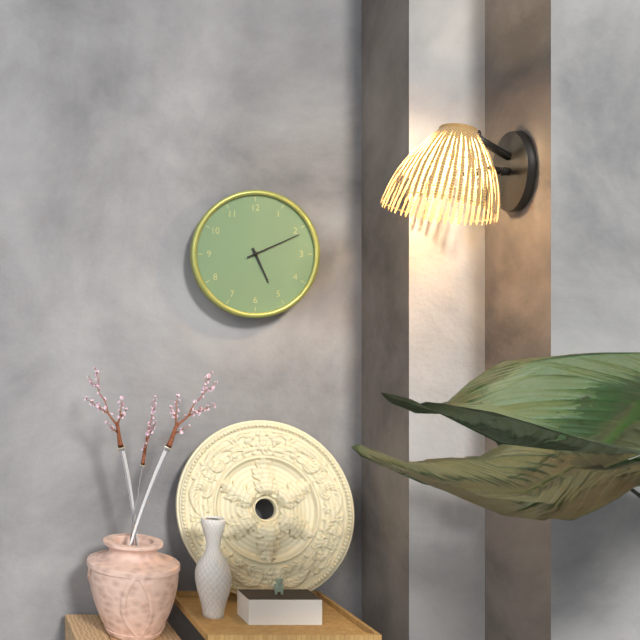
{"hour": 5, "minute": 11}
